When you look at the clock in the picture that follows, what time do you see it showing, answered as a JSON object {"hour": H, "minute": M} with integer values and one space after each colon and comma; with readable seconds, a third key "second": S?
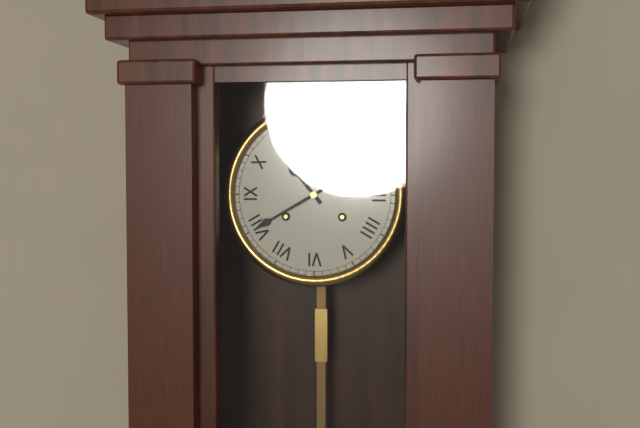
{"hour": 10, "minute": 40}
